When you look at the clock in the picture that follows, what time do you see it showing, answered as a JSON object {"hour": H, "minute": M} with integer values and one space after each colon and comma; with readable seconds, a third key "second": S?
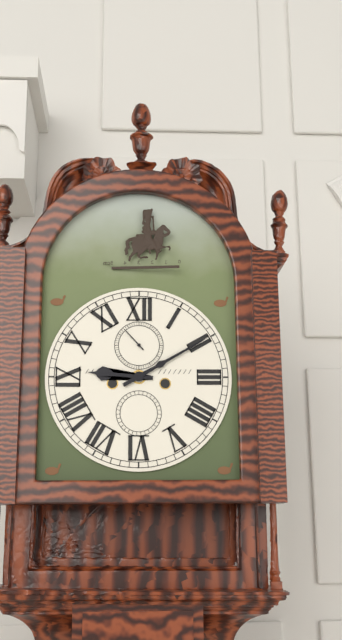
{"hour": 9, "minute": 10}
